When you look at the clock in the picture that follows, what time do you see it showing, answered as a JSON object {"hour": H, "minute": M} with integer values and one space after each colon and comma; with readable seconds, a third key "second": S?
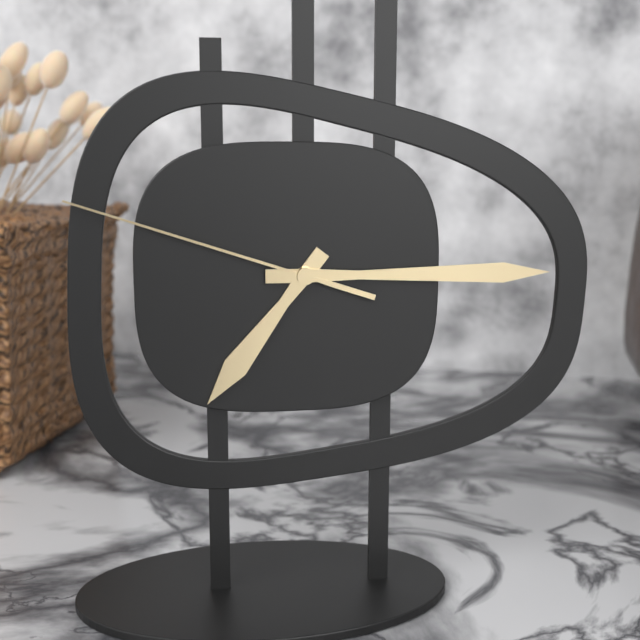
{"hour": 7, "minute": 15, "second": 48}
